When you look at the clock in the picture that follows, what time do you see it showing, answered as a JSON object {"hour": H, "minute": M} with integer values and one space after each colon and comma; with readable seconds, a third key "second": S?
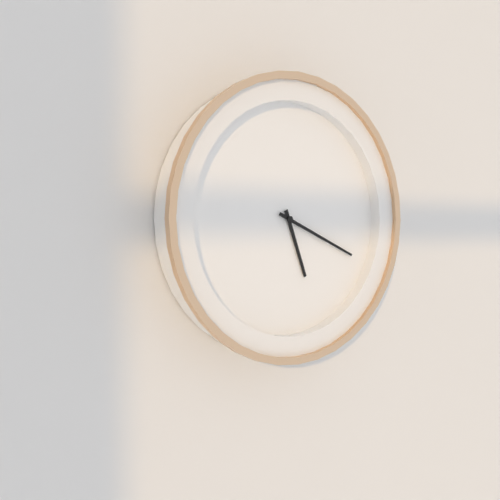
{"hour": 5, "minute": 19}
